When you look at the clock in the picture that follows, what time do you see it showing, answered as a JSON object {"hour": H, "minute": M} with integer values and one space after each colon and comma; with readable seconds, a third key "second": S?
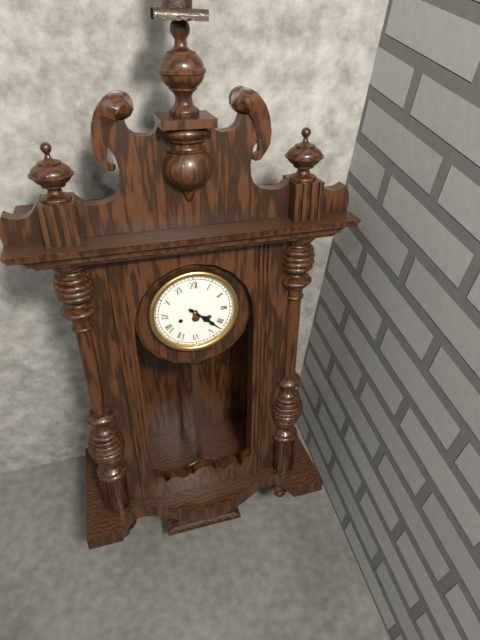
{"hour": 4, "minute": 22}
